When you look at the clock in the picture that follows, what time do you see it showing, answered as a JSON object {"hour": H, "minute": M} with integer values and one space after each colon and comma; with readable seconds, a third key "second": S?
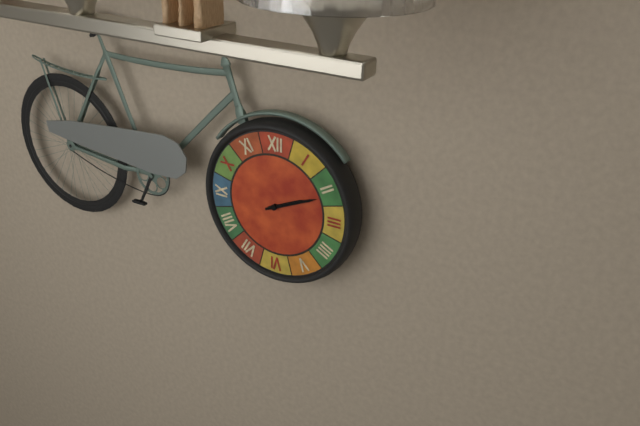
{"hour": 2, "minute": 11}
